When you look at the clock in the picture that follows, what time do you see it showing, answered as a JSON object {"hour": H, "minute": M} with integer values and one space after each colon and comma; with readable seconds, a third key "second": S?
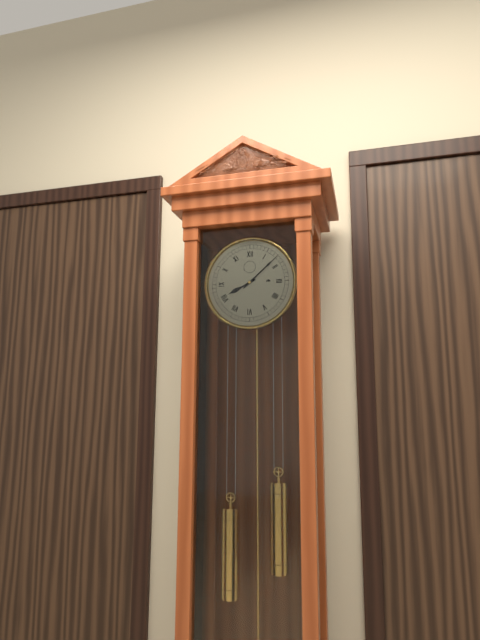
{"hour": 8, "minute": 8}
